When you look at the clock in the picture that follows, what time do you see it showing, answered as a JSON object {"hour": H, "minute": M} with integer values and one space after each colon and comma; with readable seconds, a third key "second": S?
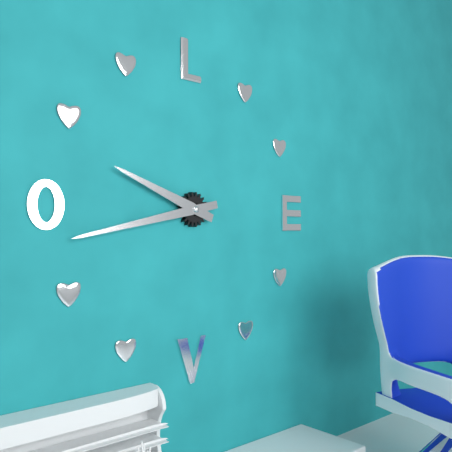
{"hour": 9, "minute": 43}
